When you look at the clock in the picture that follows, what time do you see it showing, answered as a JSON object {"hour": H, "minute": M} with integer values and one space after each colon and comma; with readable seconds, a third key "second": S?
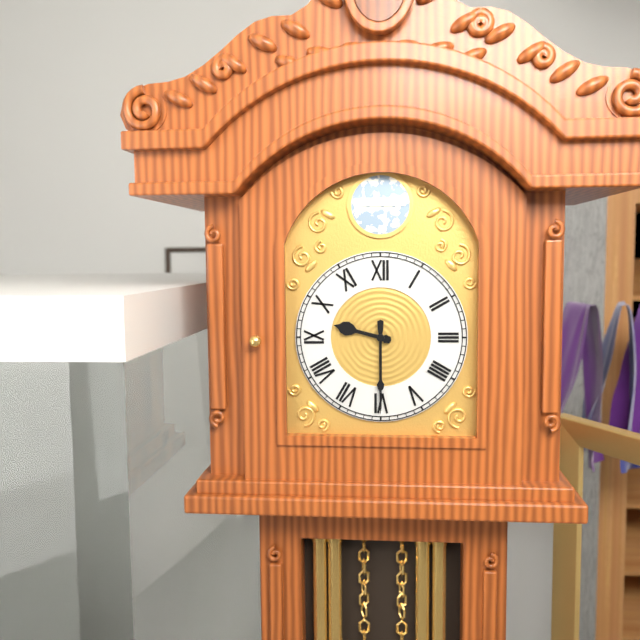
{"hour": 9, "minute": 30}
